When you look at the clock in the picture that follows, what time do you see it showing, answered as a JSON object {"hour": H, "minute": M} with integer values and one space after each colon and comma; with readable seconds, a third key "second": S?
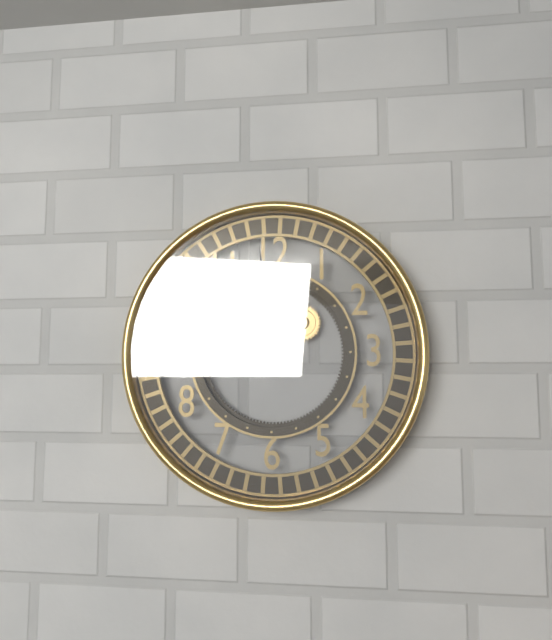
{"hour": 8, "minute": 59}
